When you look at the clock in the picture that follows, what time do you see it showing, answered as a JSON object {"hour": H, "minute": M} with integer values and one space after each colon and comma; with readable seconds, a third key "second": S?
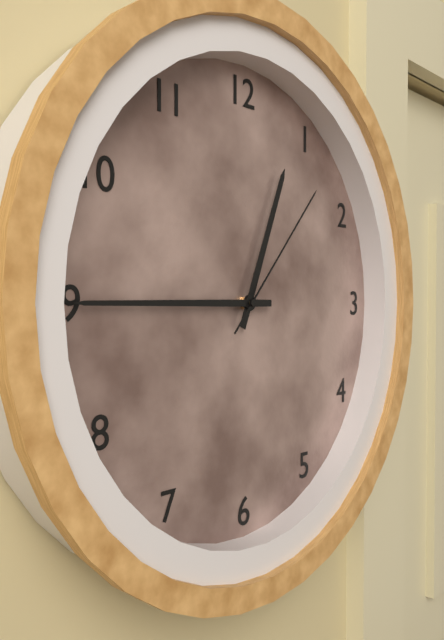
{"hour": 12, "minute": 45, "second": 7}
